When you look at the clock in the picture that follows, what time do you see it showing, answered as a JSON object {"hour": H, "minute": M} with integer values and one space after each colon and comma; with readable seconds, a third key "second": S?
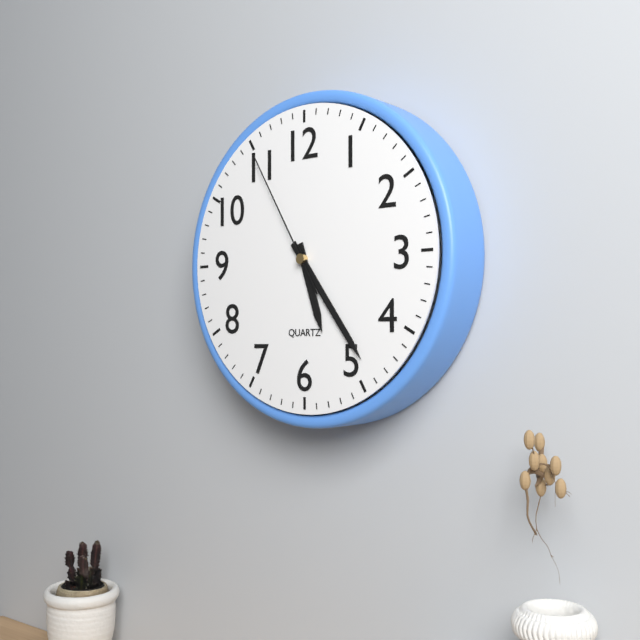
{"hour": 5, "minute": 24, "second": 55}
